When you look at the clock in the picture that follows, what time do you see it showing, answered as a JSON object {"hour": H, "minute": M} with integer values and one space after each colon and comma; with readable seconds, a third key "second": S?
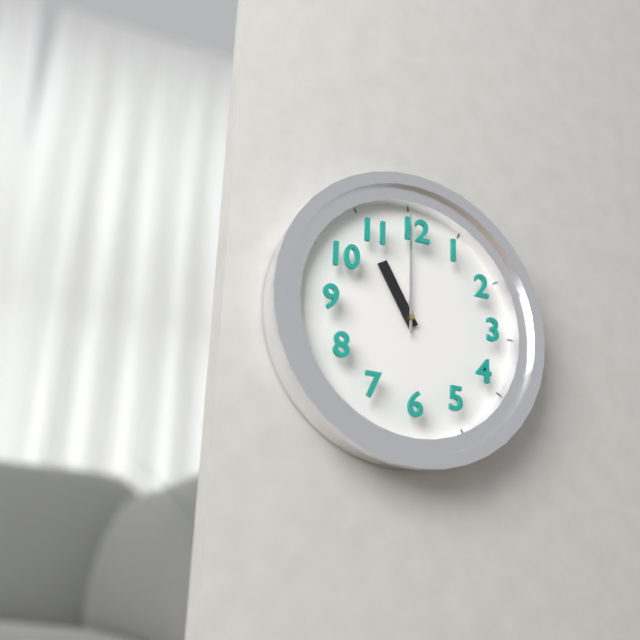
{"hour": 11, "minute": 0}
